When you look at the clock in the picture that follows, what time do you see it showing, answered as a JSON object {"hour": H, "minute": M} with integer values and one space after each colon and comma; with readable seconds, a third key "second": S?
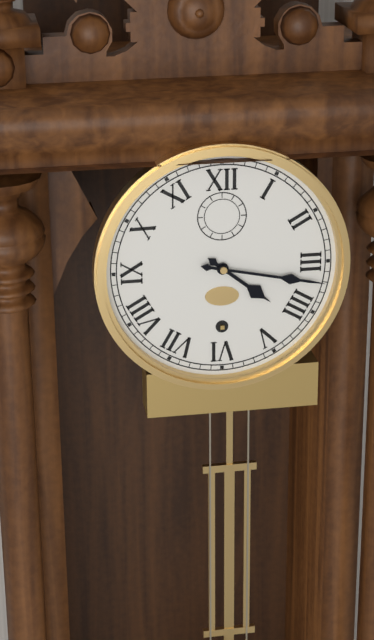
{"hour": 4, "minute": 17}
